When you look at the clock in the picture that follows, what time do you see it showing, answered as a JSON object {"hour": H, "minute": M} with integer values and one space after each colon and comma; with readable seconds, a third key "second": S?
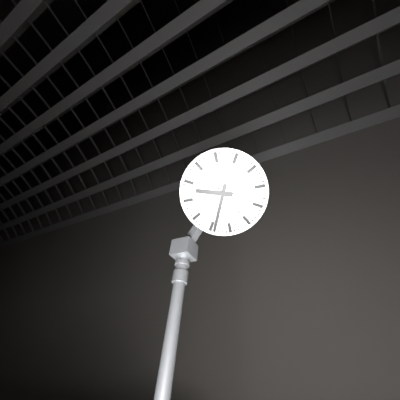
{"hour": 9, "minute": 34}
